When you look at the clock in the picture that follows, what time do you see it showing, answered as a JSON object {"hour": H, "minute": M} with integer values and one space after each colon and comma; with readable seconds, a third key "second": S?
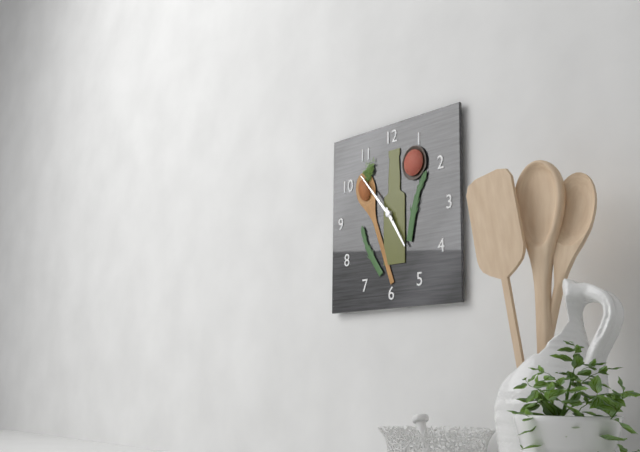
{"hour": 4, "minute": 53}
